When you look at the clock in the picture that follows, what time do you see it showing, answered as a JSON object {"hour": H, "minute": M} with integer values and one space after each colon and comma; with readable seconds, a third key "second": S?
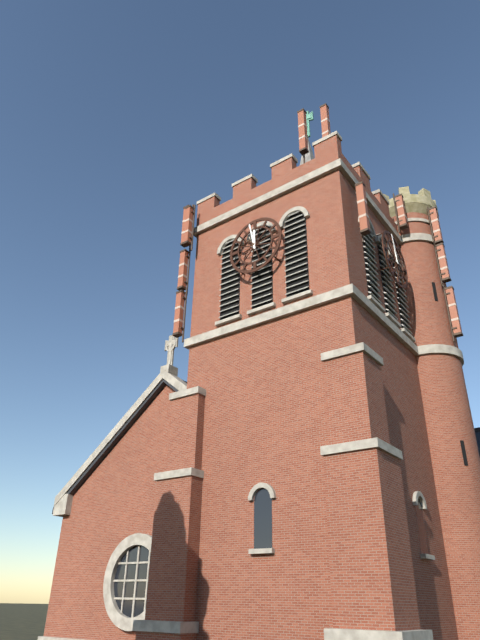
{"hour": 11, "minute": 58}
